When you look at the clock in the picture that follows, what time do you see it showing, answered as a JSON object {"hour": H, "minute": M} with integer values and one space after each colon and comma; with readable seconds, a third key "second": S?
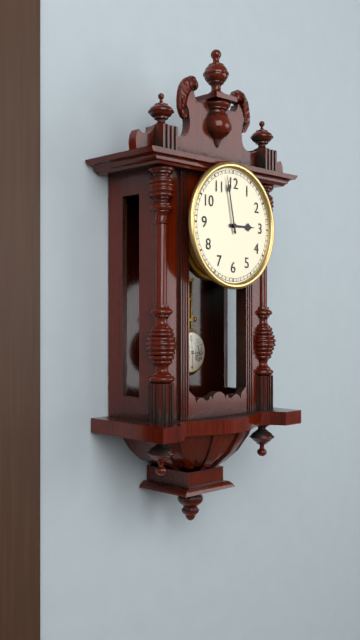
{"hour": 2, "minute": 58}
